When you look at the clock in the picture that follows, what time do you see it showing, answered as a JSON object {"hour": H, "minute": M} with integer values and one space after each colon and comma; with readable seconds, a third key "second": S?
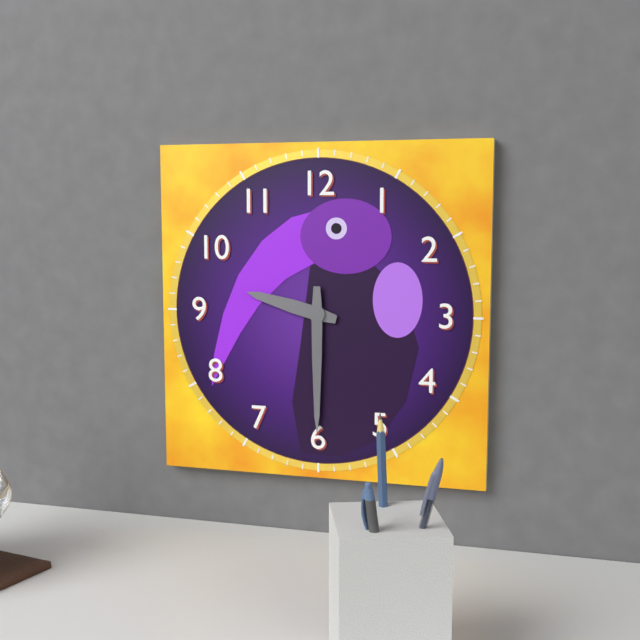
{"hour": 9, "minute": 30}
